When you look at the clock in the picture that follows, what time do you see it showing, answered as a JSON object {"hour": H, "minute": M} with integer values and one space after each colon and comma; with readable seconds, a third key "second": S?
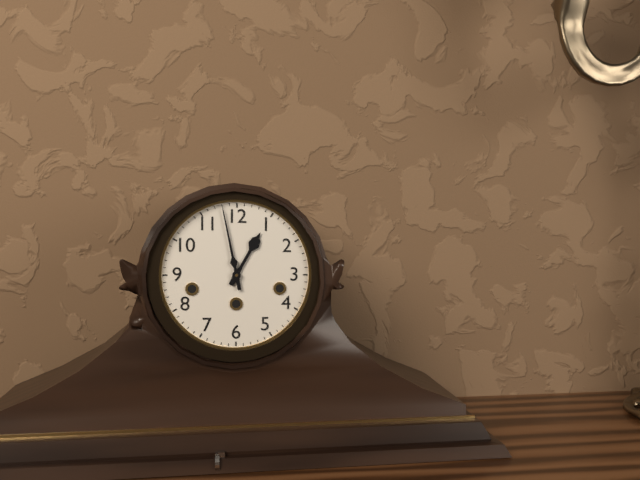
{"hour": 12, "minute": 58}
